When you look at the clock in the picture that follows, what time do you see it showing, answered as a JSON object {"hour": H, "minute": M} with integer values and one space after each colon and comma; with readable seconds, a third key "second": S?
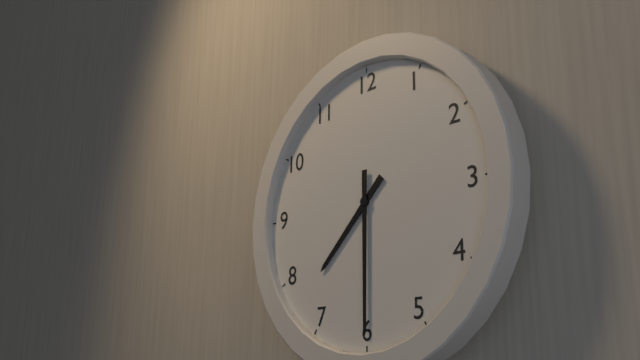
{"hour": 7, "minute": 30}
